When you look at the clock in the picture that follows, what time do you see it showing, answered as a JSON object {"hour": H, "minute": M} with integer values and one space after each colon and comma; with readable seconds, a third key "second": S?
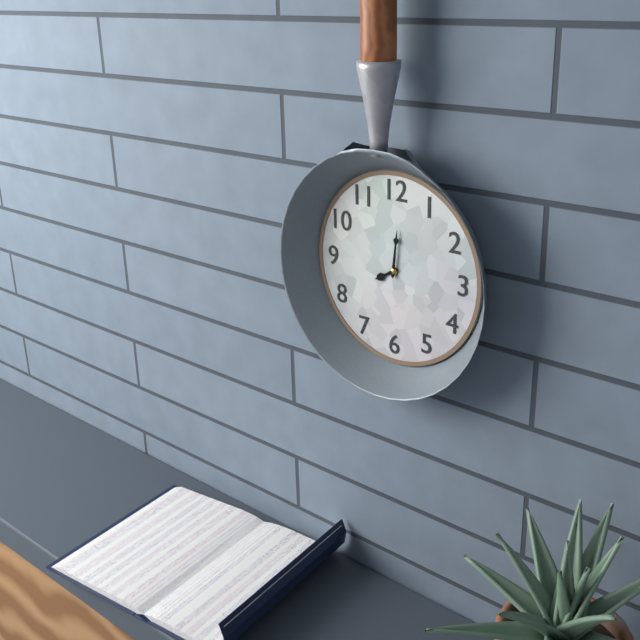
{"hour": 8, "minute": 1}
